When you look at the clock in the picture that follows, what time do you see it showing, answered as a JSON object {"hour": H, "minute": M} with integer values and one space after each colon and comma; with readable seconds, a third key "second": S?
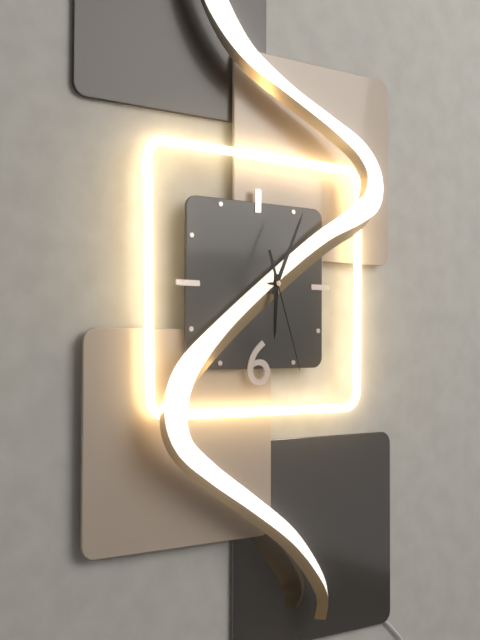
{"hour": 6, "minute": 4, "second": 27}
